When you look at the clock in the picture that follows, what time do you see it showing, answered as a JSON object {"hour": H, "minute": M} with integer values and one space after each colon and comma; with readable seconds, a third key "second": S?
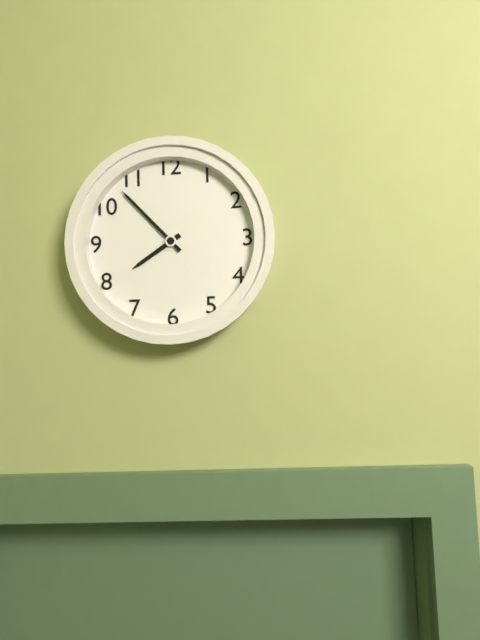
{"hour": 7, "minute": 53}
